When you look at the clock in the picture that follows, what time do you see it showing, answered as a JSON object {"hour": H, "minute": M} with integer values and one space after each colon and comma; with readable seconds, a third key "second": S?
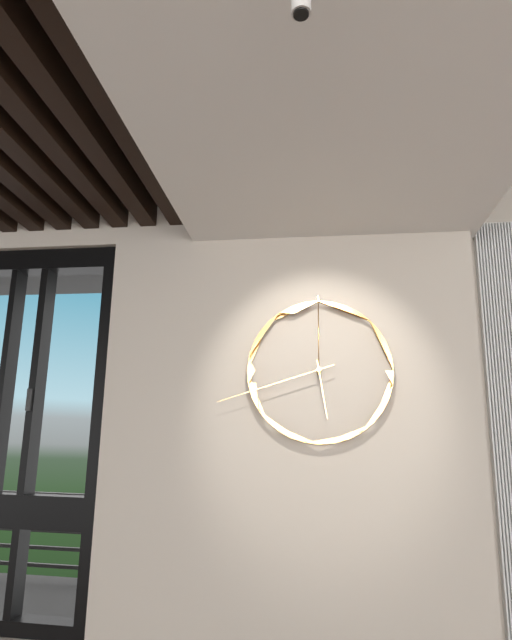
{"hour": 5, "minute": 42}
